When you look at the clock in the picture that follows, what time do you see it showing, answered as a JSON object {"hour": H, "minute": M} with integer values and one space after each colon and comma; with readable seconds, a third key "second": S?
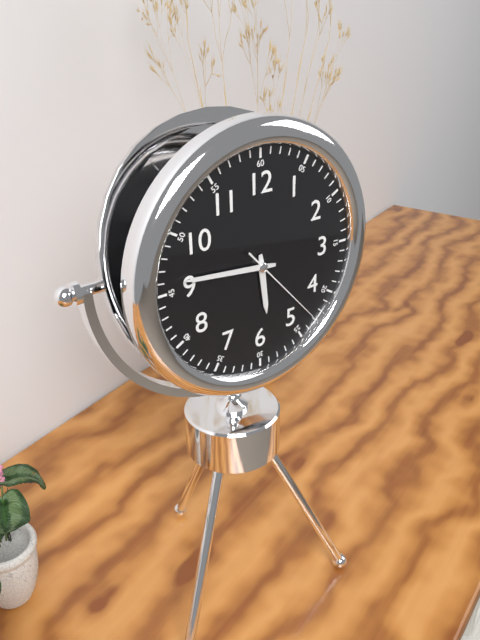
{"hour": 5, "minute": 46, "second": 23}
